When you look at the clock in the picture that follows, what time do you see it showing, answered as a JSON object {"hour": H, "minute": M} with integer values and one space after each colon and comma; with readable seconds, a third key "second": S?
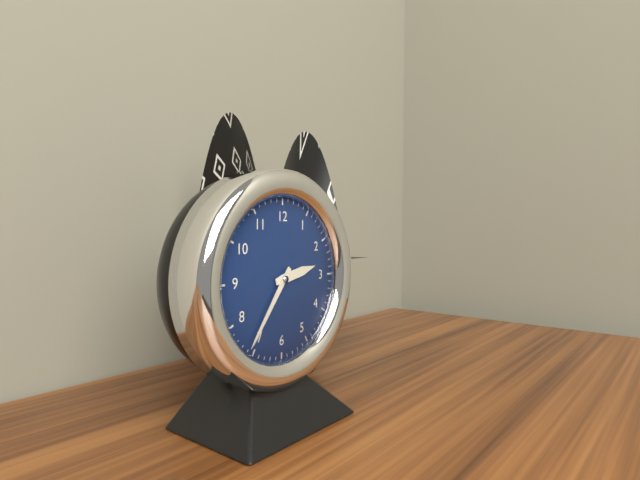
{"hour": 2, "minute": 36}
